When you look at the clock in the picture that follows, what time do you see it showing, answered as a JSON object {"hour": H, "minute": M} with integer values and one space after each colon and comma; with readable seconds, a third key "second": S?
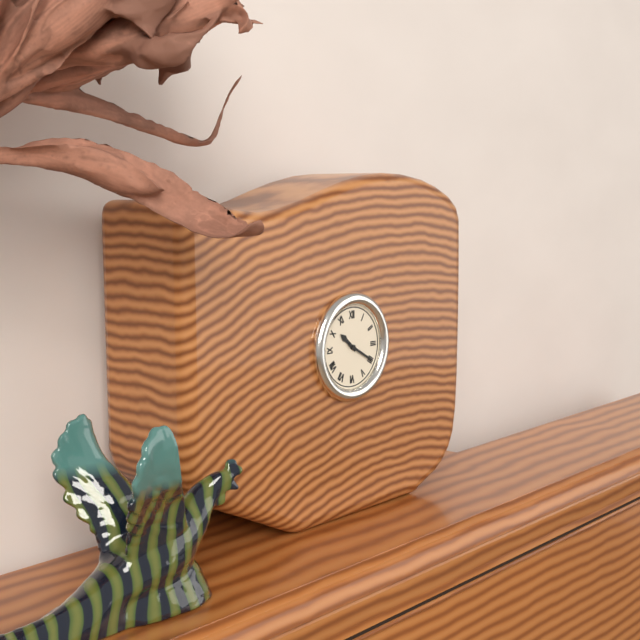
{"hour": 10, "minute": 20}
